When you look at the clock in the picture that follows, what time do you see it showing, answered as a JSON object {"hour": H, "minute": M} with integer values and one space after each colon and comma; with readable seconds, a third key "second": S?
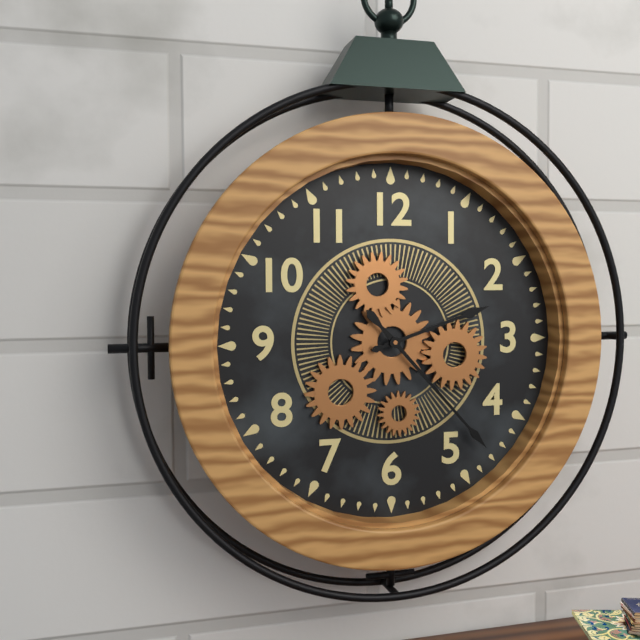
{"hour": 2, "minute": 23}
